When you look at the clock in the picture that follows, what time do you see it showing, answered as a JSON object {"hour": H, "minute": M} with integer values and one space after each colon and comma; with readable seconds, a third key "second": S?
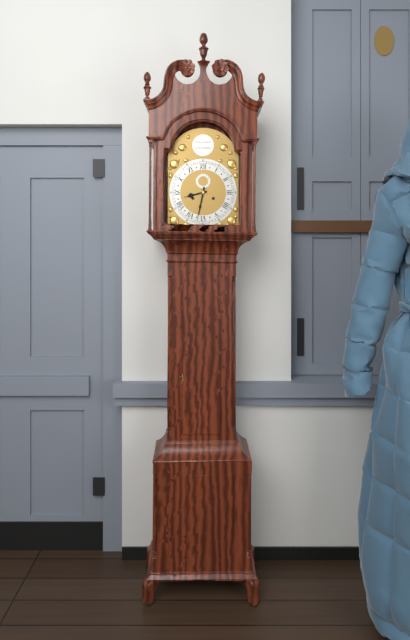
{"hour": 8, "minute": 32}
